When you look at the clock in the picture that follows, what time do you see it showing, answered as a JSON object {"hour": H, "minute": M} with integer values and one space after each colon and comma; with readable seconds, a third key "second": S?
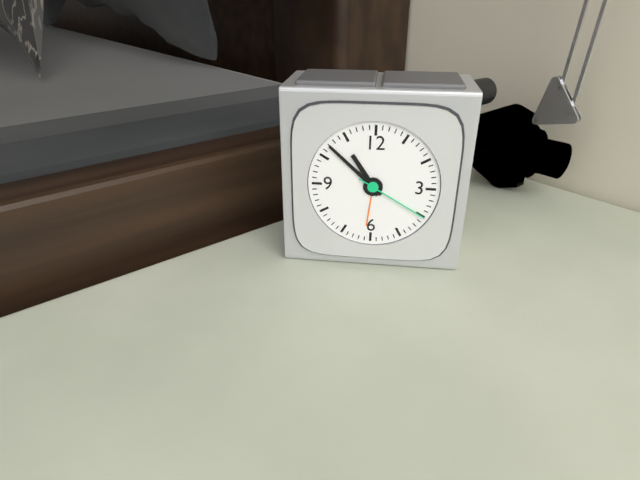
{"hour": 10, "minute": 52, "second": 20}
